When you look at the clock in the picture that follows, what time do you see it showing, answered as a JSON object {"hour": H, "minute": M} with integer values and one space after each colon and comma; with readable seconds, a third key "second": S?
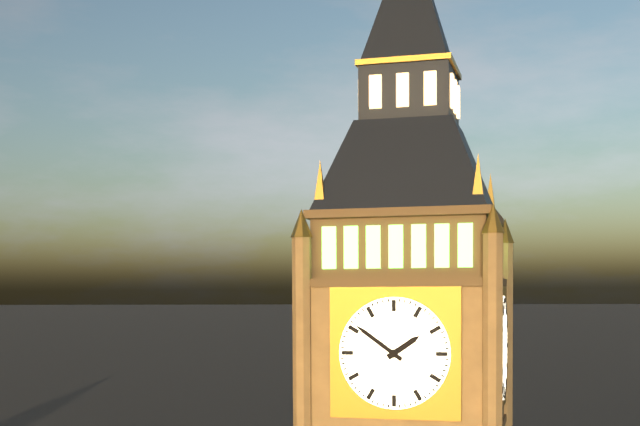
{"hour": 1, "minute": 51}
